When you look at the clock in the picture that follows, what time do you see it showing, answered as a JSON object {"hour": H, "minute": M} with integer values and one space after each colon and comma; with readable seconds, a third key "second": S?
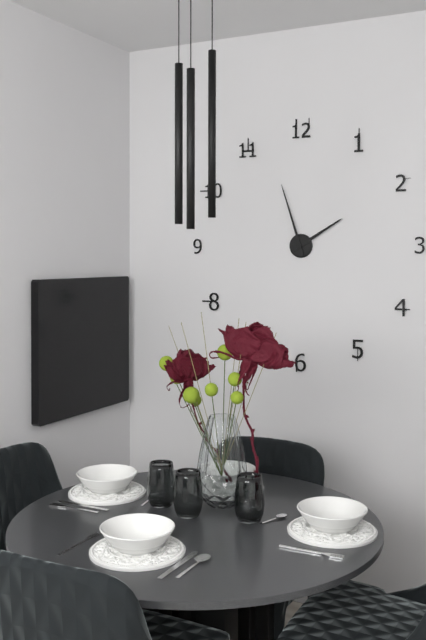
{"hour": 1, "minute": 57}
